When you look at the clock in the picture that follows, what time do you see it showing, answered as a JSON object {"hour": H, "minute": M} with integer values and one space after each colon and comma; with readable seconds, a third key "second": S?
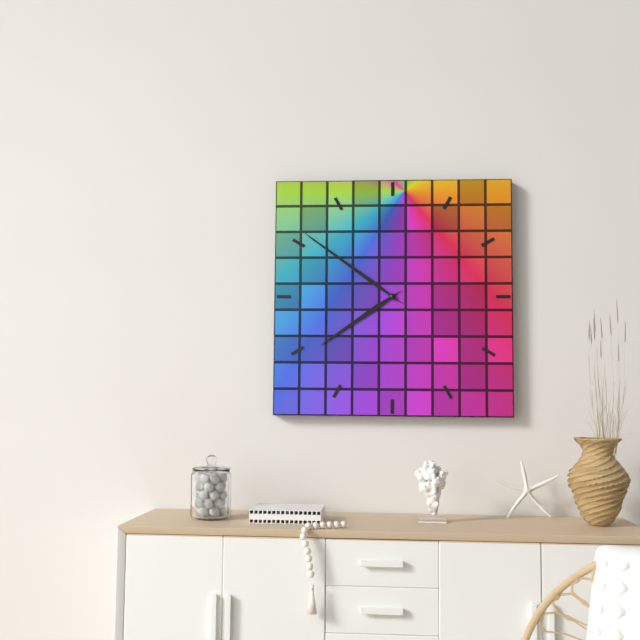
{"hour": 7, "minute": 51}
